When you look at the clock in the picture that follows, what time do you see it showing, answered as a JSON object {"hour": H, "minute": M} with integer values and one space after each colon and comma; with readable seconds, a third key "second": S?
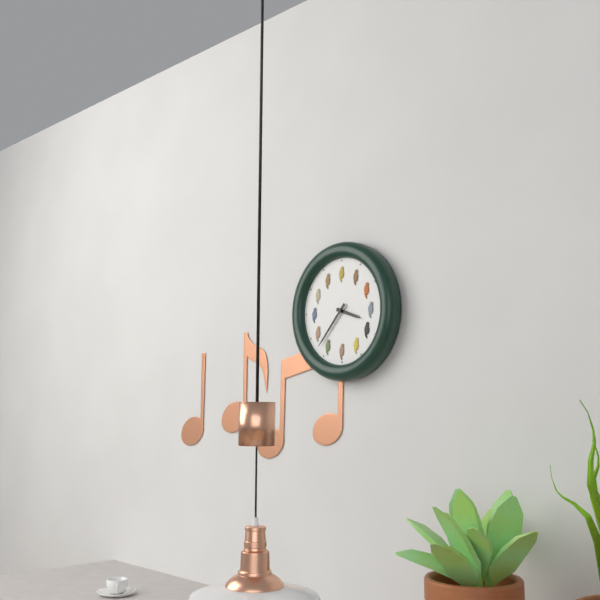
{"hour": 3, "minute": 37}
